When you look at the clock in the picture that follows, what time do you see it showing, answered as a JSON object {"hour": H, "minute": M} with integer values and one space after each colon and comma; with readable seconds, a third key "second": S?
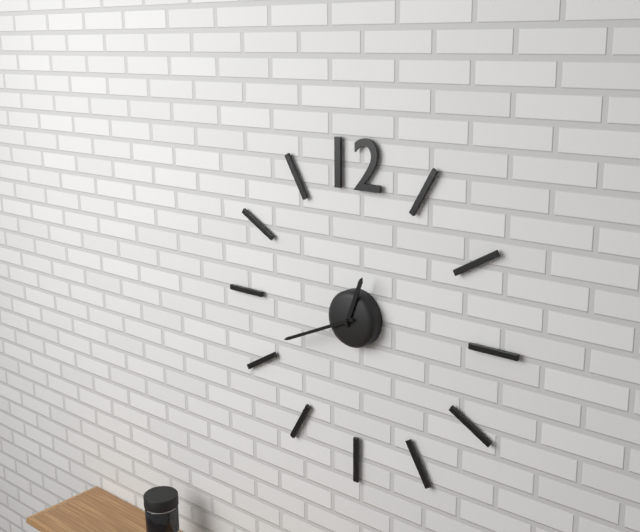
{"hour": 12, "minute": 41}
